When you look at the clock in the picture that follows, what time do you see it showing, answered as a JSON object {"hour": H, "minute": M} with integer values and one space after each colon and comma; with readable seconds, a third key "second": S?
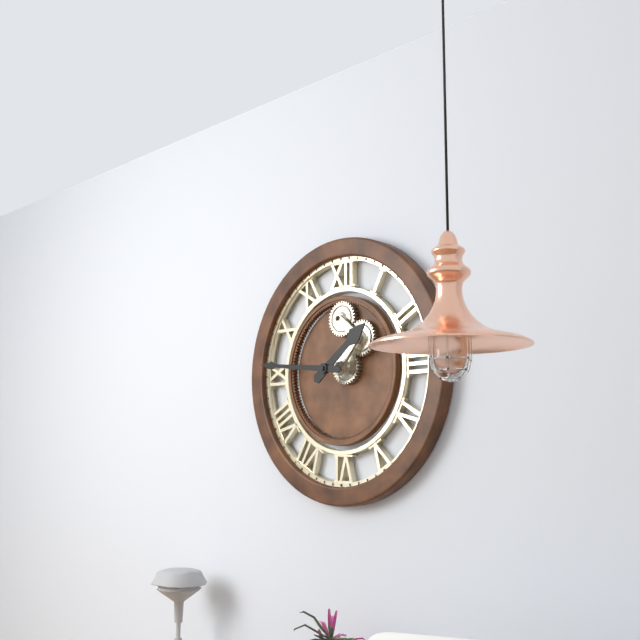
{"hour": 1, "minute": 46}
